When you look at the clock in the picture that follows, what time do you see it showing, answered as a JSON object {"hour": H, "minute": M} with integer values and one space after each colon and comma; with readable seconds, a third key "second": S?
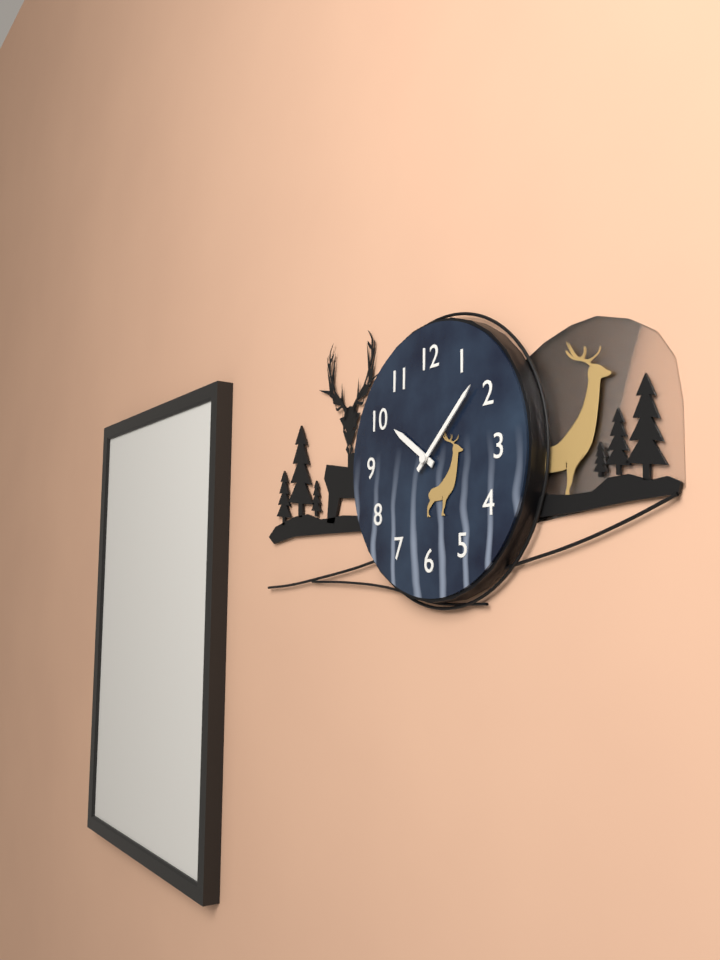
{"hour": 10, "minute": 8}
